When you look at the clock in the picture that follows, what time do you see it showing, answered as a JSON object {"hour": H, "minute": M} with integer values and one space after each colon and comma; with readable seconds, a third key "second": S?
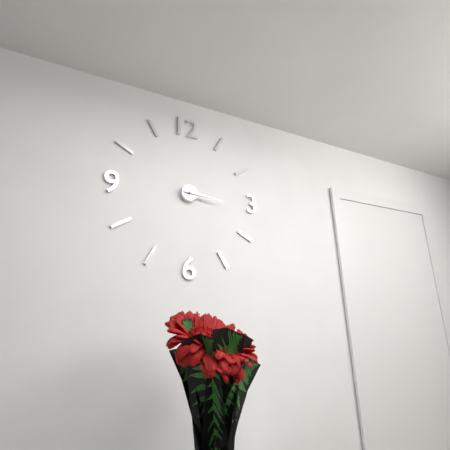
{"hour": 3, "minute": 16}
